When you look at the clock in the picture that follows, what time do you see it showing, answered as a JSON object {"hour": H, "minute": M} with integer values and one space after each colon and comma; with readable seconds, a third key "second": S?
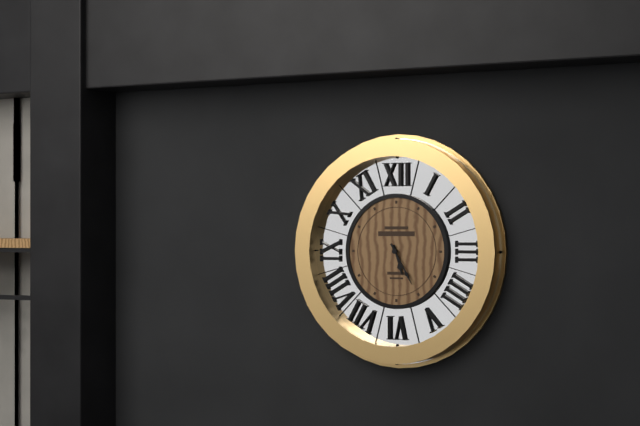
{"hour": 5, "minute": 25}
